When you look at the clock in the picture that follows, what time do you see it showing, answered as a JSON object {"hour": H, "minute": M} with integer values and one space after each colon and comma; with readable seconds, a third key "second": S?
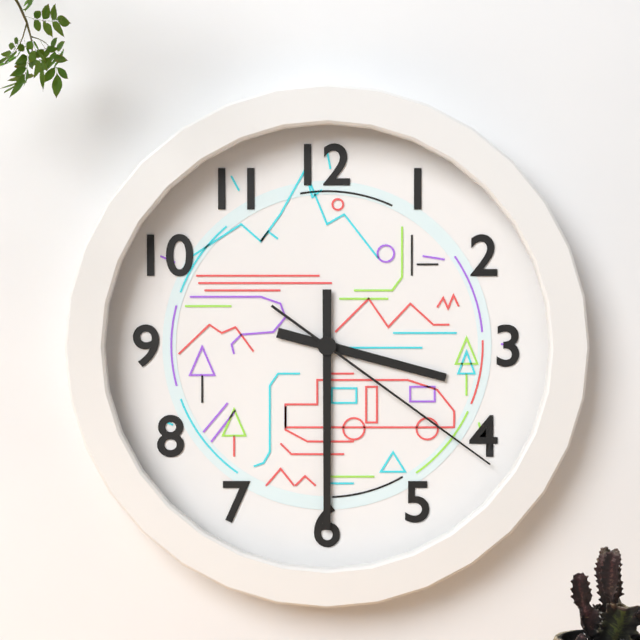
{"hour": 3, "minute": 30, "second": 21}
